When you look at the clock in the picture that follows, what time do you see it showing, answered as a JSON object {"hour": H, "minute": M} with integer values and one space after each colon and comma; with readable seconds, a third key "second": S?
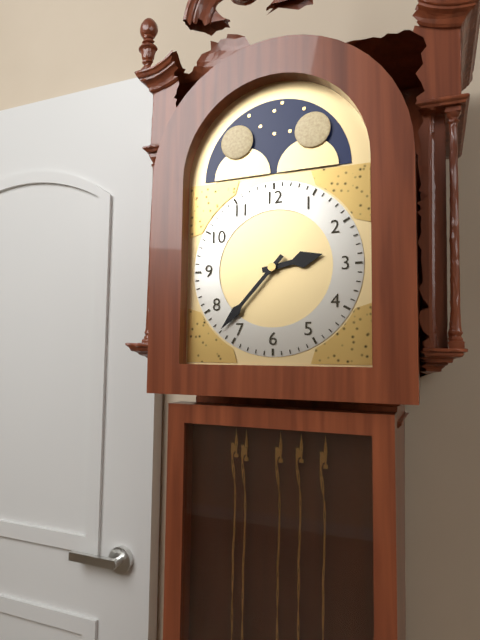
{"hour": 2, "minute": 37}
